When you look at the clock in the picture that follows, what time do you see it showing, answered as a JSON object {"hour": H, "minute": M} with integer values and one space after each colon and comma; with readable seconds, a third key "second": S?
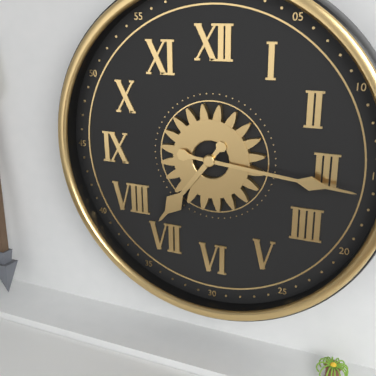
{"hour": 7, "minute": 16}
